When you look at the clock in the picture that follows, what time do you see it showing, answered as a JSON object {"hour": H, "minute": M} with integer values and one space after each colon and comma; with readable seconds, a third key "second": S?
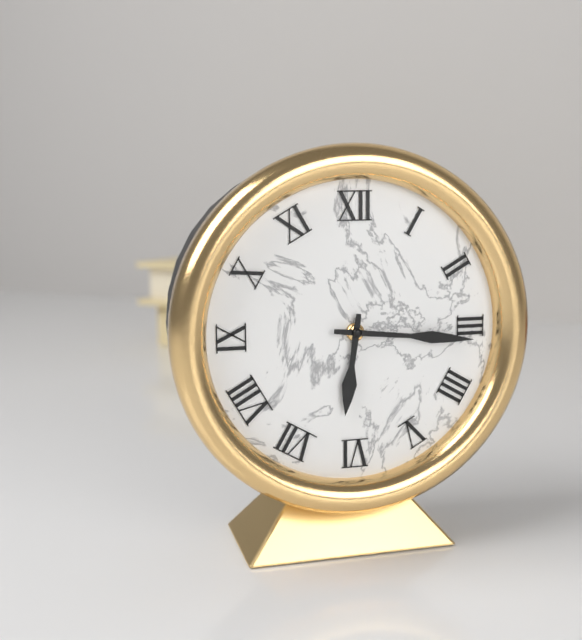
{"hour": 6, "minute": 16}
